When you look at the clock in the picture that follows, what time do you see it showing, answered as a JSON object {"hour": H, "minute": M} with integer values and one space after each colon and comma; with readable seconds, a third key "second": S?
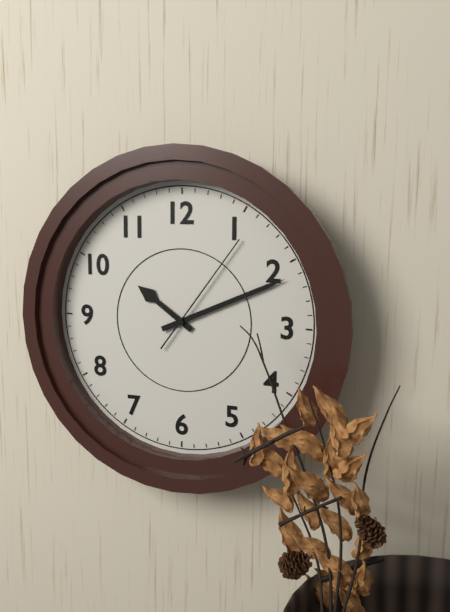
{"hour": 10, "minute": 11, "second": 6}
